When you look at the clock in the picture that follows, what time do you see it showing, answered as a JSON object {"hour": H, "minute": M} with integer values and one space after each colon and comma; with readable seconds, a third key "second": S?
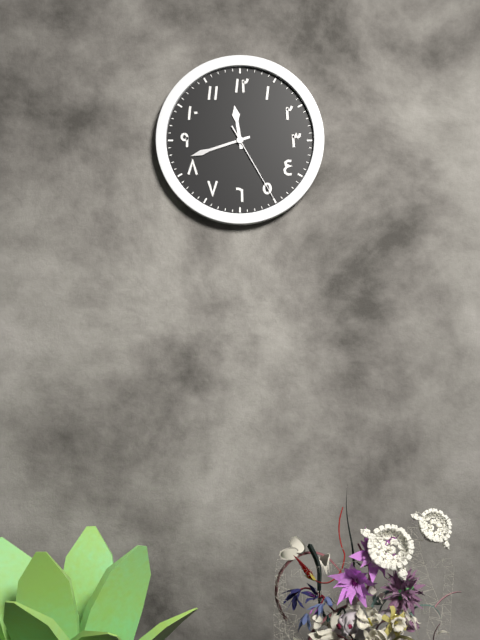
{"hour": 11, "minute": 42, "second": 25}
